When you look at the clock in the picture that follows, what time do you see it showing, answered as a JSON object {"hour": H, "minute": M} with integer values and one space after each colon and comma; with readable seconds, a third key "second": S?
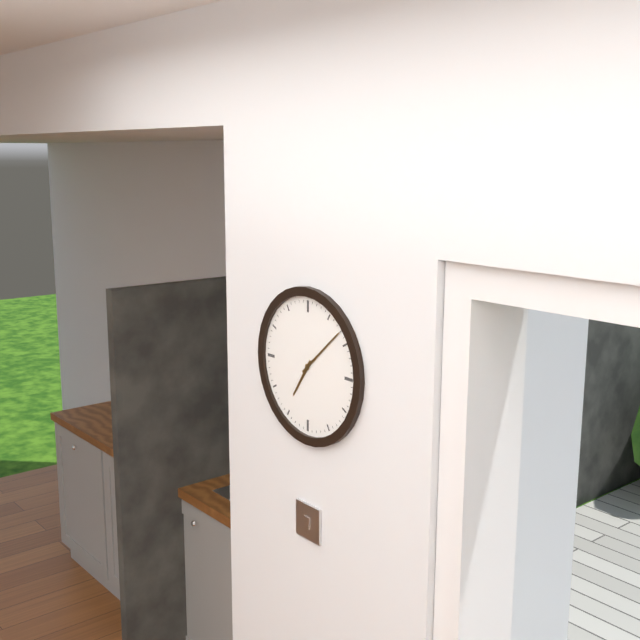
{"hour": 7, "minute": 8}
